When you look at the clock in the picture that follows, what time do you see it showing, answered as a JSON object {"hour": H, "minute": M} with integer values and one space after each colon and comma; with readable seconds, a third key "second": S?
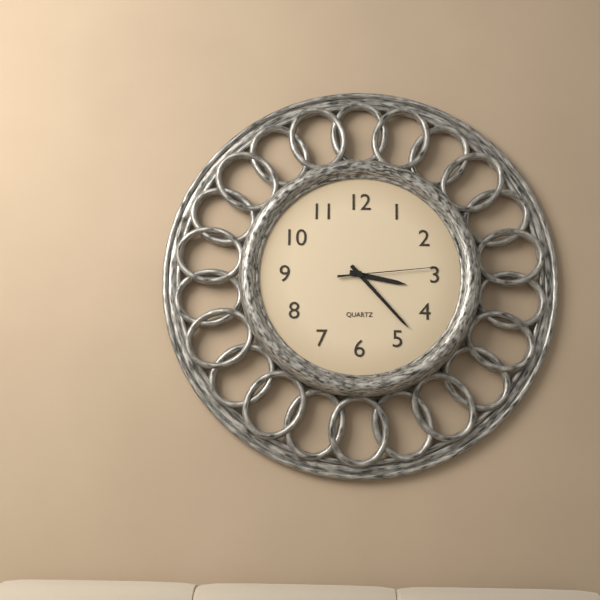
{"hour": 3, "minute": 23, "second": 14}
